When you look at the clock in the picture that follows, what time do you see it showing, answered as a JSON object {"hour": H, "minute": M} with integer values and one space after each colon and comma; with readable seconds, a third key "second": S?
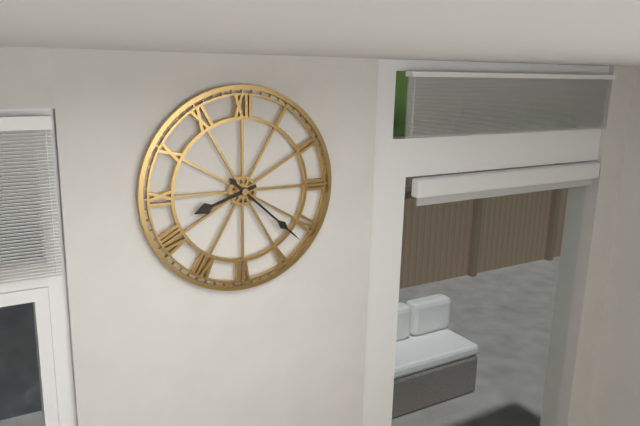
{"hour": 8, "minute": 22}
